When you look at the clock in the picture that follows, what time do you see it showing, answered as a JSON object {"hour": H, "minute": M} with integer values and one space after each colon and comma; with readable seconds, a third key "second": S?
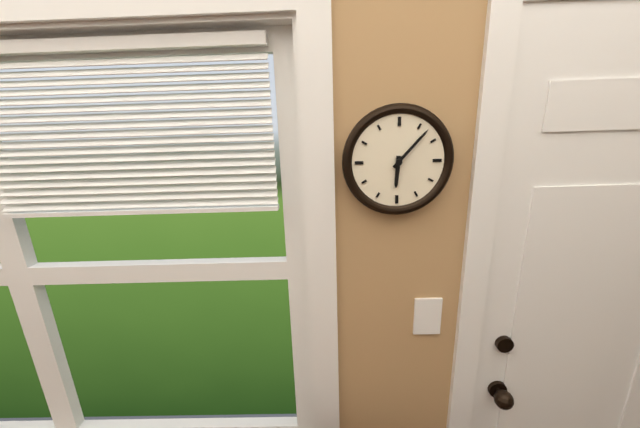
{"hour": 6, "minute": 7}
